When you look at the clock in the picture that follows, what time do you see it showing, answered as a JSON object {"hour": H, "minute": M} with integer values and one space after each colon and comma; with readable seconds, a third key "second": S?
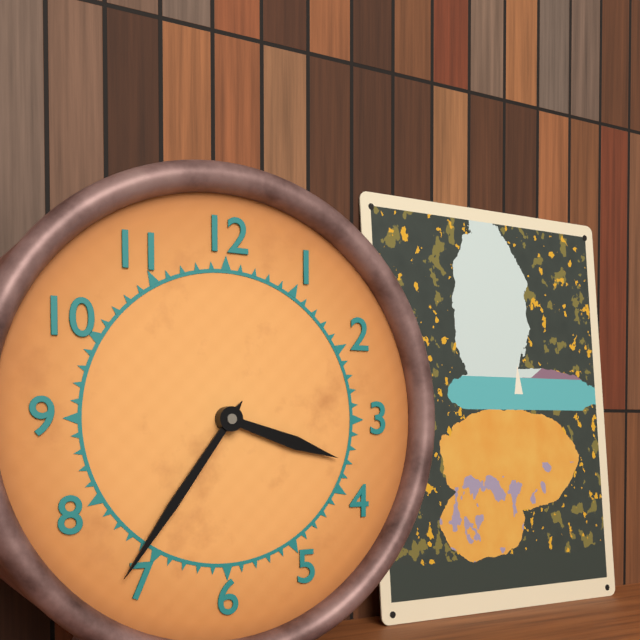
{"hour": 3, "minute": 36}
